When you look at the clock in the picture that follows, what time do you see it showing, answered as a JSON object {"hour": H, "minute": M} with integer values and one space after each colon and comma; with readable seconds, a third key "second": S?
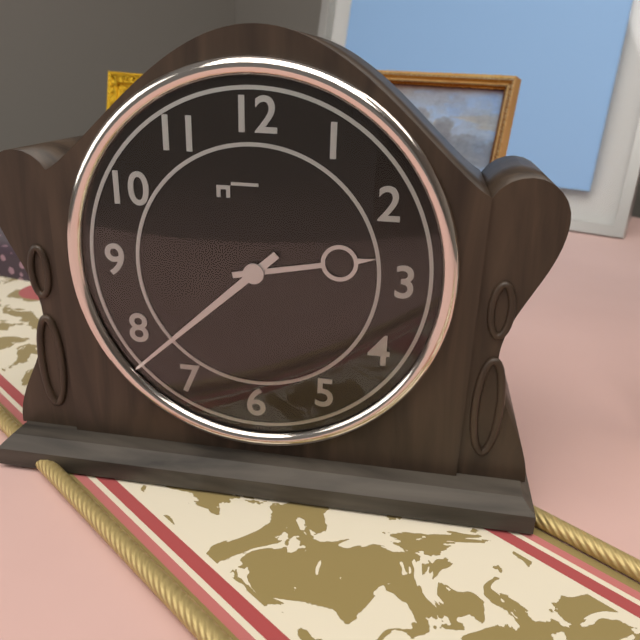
{"hour": 2, "minute": 38}
